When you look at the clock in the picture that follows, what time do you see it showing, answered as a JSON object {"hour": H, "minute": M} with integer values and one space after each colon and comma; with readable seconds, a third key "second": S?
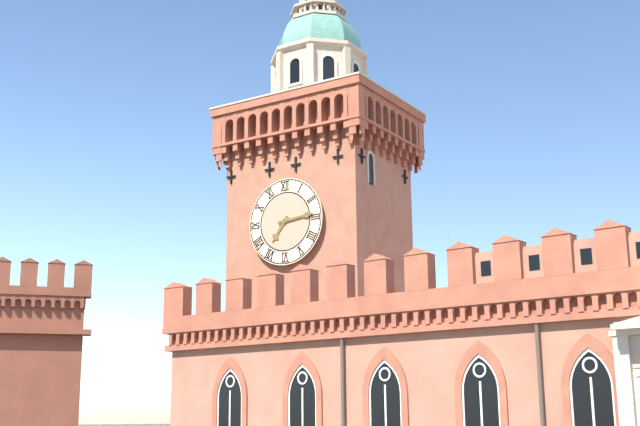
{"hour": 7, "minute": 14}
